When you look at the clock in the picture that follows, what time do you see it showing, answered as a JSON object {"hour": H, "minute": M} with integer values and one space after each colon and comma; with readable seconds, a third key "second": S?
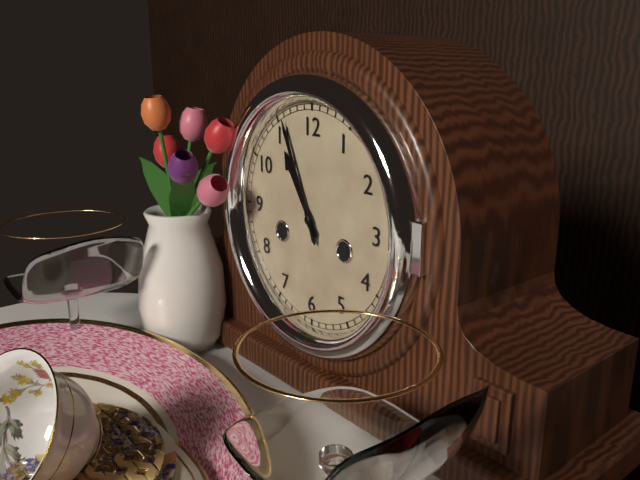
{"hour": 10, "minute": 56}
